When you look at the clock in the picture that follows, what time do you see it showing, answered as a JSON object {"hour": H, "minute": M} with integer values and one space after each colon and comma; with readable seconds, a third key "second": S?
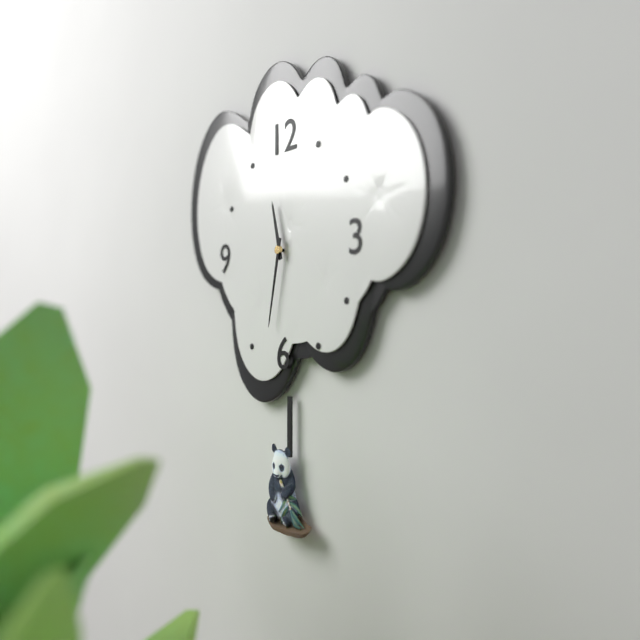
{"hour": 11, "minute": 32}
